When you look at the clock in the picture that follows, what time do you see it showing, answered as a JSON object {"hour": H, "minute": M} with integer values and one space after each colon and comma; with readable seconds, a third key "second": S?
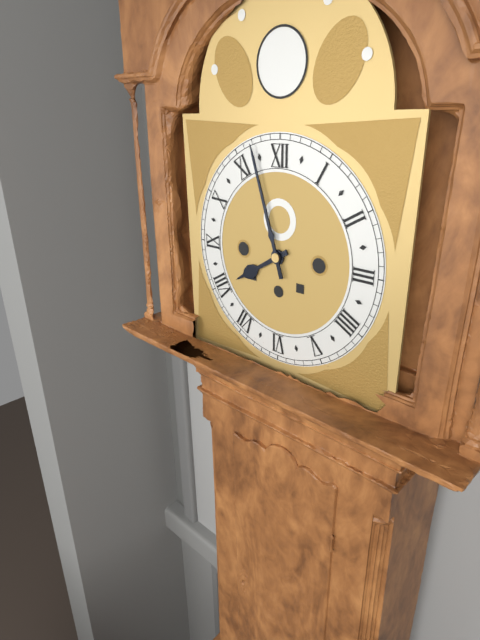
{"hour": 7, "minute": 57}
